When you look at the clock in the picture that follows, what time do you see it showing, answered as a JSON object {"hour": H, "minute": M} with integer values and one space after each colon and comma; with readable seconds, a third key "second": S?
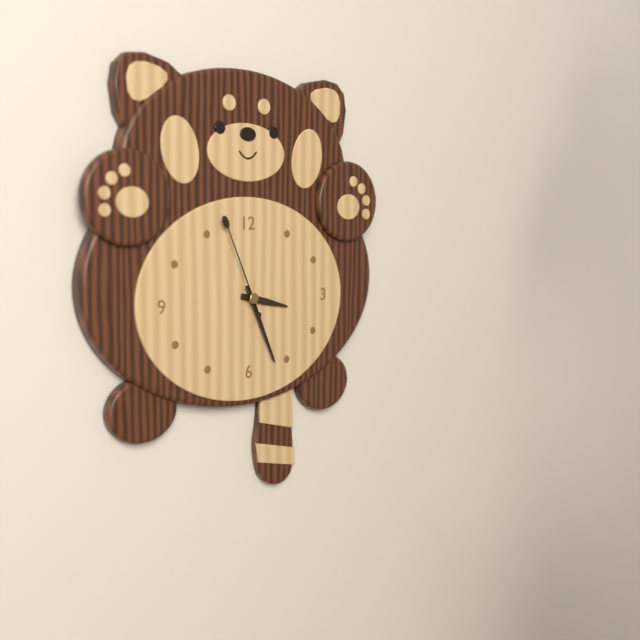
{"hour": 3, "minute": 26, "second": 56}
